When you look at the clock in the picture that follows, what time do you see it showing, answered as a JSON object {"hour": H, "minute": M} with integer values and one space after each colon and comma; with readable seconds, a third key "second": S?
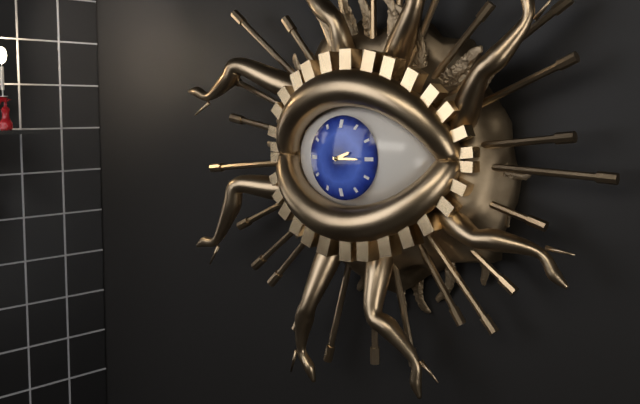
{"hour": 2, "minute": 15}
